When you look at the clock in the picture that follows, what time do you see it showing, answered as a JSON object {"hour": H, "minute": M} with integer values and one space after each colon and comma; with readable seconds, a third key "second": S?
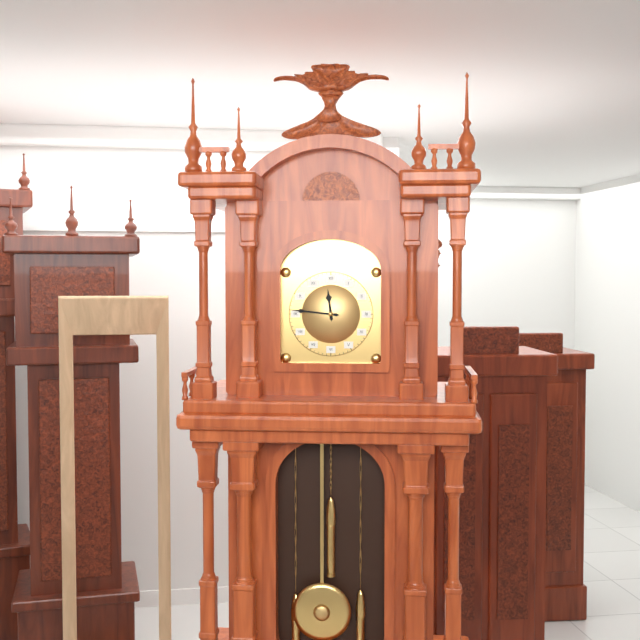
{"hour": 11, "minute": 46}
